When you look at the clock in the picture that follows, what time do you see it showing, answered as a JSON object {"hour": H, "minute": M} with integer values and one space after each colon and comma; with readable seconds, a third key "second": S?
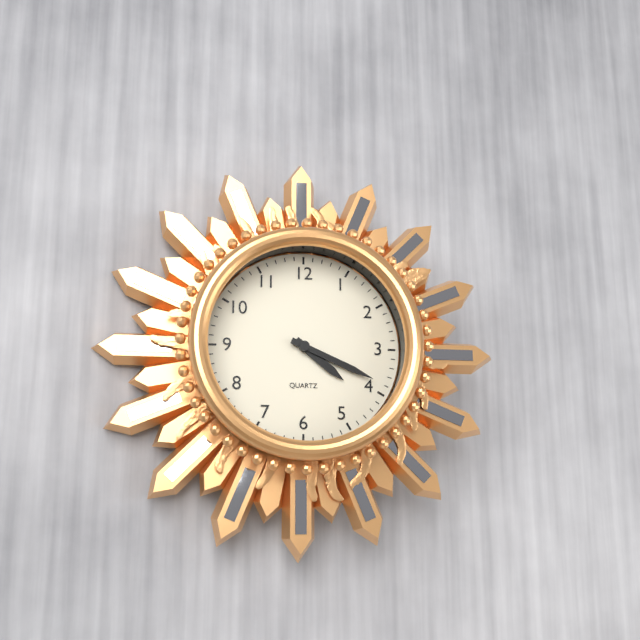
{"hour": 4, "minute": 19}
